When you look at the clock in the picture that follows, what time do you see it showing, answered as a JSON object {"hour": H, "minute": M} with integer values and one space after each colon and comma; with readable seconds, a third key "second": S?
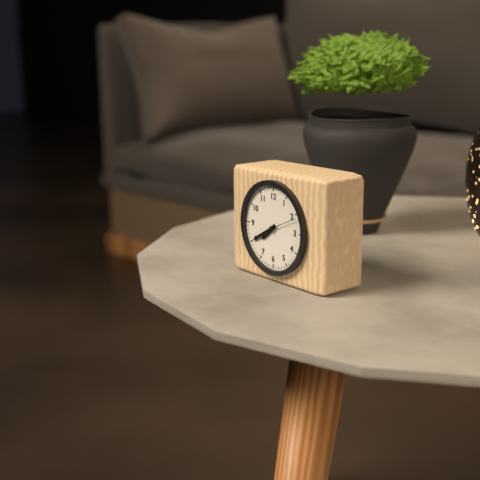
{"hour": 7, "minute": 40}
